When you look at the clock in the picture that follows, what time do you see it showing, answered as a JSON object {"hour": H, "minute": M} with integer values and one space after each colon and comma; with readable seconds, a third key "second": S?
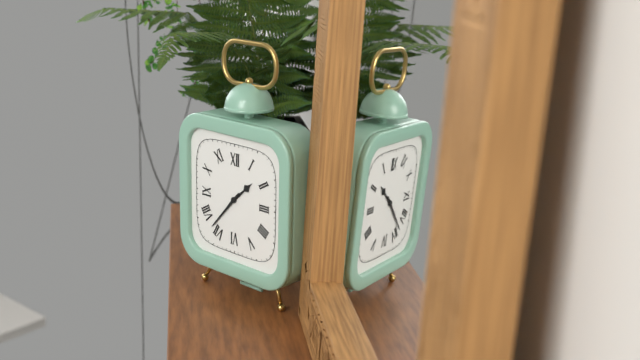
{"hour": 1, "minute": 37}
